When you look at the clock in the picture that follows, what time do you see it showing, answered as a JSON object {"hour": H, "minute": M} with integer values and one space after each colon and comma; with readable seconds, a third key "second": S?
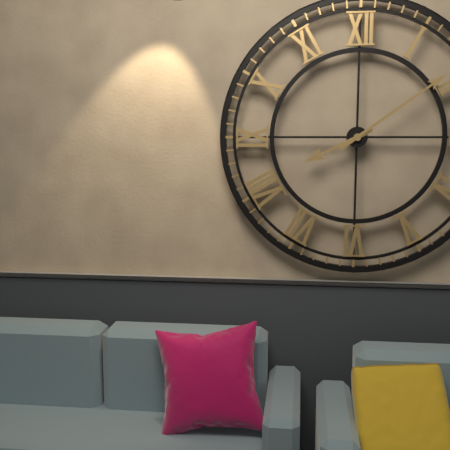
{"hour": 8, "minute": 9}
